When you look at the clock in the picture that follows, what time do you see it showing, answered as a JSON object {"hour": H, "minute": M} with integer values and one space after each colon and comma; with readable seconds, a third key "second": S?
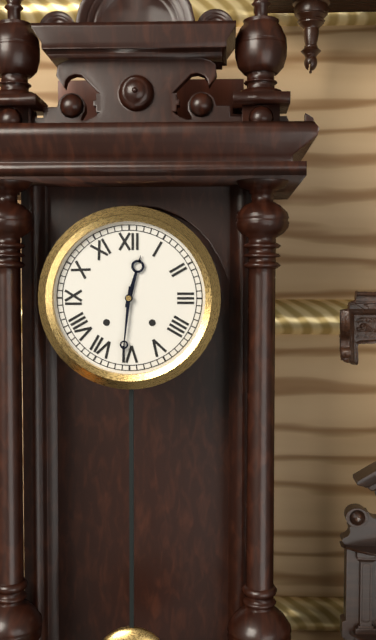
{"hour": 12, "minute": 31}
